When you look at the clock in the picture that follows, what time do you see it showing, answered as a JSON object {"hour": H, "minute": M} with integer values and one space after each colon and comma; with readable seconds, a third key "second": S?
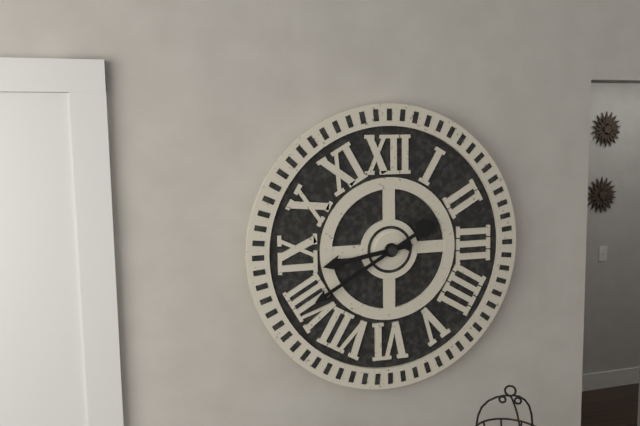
{"hour": 8, "minute": 40}
